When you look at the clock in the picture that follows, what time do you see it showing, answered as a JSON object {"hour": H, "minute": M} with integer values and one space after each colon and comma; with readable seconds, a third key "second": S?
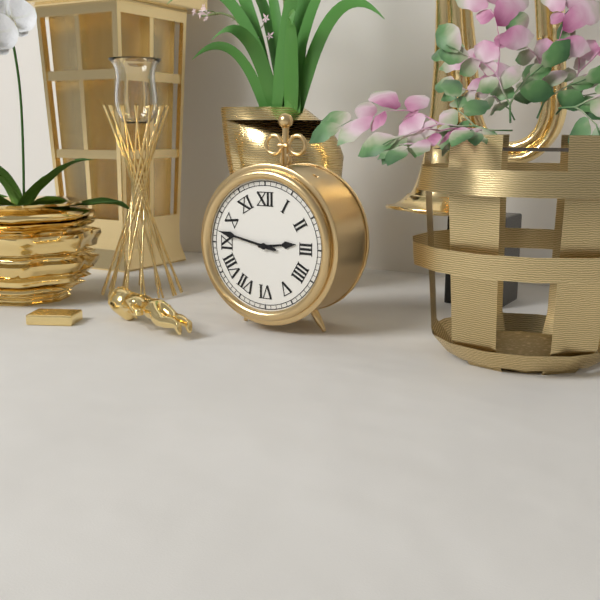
{"hour": 2, "minute": 47}
